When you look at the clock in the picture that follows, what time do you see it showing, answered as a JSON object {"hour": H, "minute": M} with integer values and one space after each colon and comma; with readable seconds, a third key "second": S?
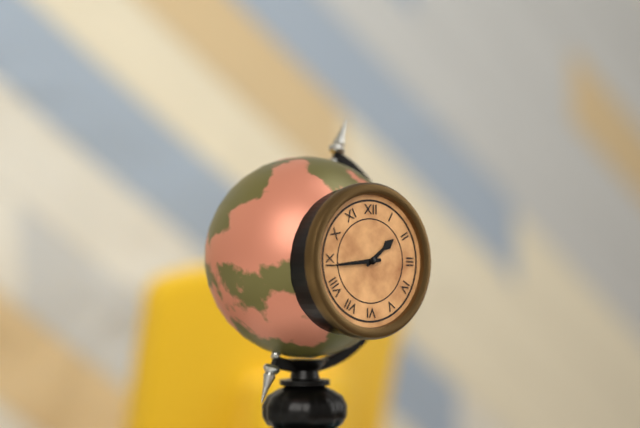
{"hour": 1, "minute": 44}
